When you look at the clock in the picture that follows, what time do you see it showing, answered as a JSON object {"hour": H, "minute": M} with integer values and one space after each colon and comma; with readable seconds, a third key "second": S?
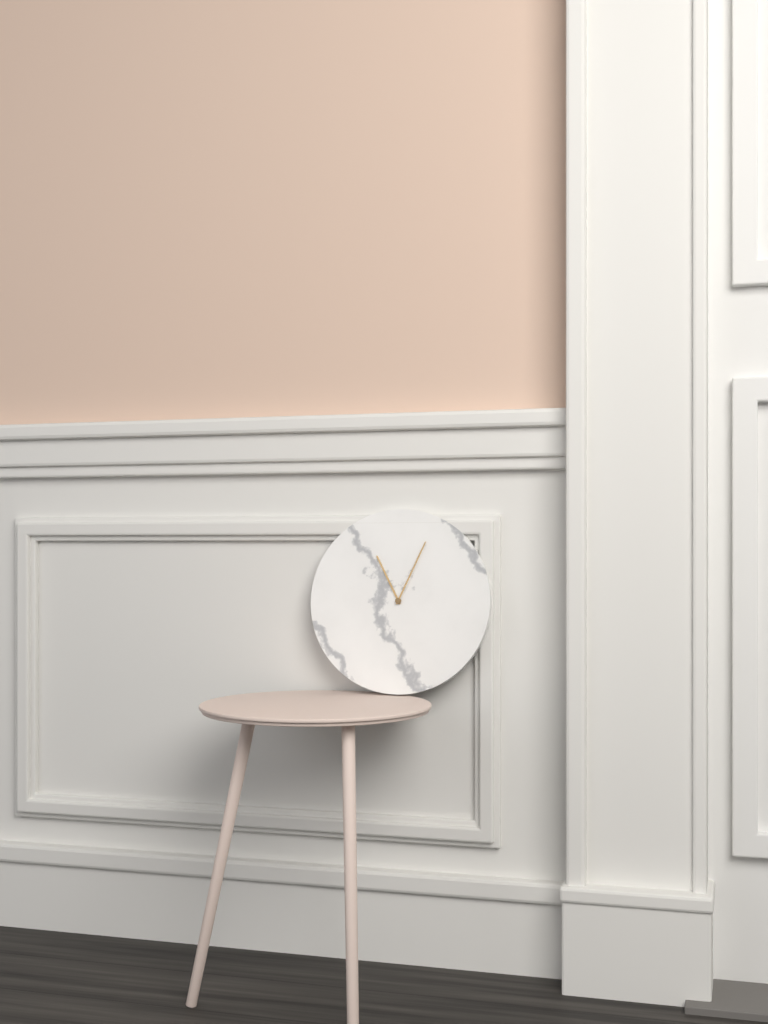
{"hour": 11, "minute": 4}
